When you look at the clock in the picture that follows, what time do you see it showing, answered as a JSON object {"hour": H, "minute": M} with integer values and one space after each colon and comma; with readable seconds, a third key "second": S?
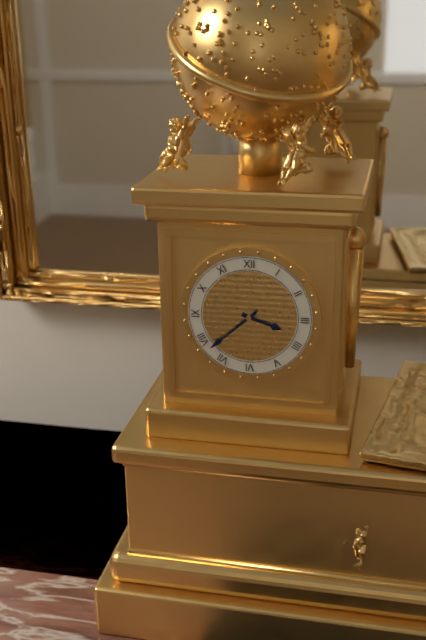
{"hour": 3, "minute": 38}
